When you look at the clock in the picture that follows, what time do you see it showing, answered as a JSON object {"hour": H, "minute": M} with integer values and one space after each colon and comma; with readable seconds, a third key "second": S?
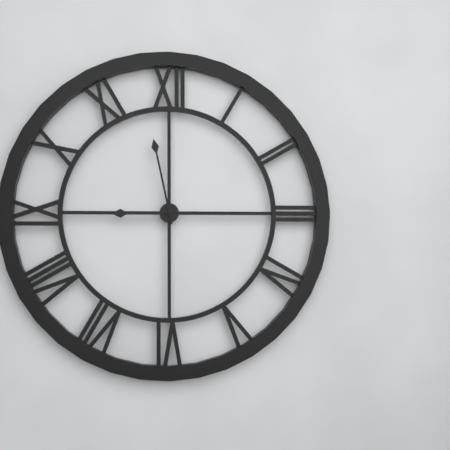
{"hour": 8, "minute": 58}
